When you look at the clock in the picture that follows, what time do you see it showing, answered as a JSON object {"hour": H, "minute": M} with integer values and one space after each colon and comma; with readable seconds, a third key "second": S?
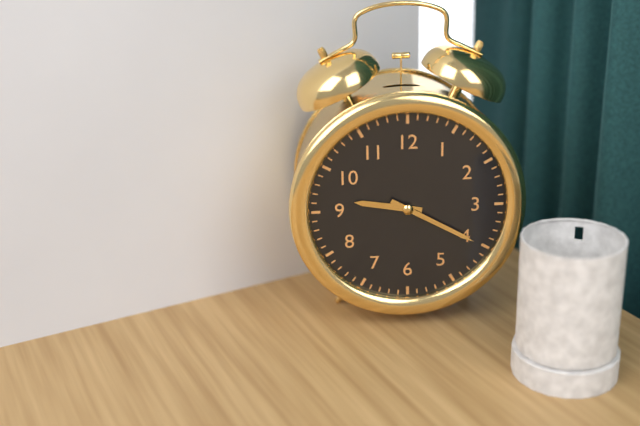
{"hour": 9, "minute": 20}
